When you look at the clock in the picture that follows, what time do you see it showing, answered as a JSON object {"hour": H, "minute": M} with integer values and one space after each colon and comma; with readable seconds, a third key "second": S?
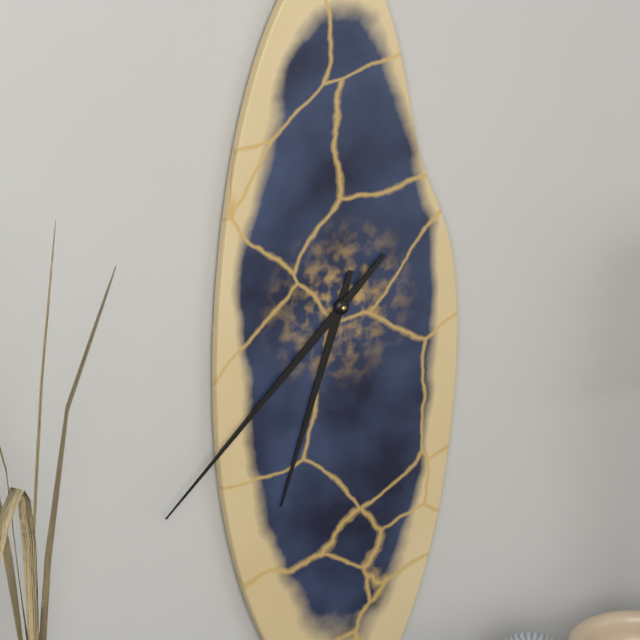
{"hour": 6, "minute": 38}
